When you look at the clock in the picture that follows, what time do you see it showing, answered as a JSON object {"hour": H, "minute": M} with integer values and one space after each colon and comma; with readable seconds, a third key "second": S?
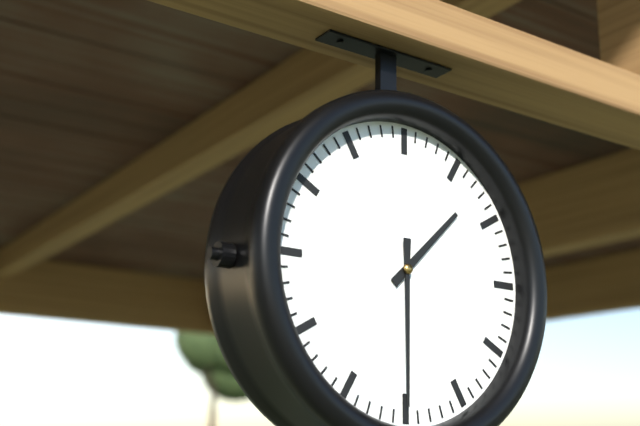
{"hour": 1, "minute": 30}
